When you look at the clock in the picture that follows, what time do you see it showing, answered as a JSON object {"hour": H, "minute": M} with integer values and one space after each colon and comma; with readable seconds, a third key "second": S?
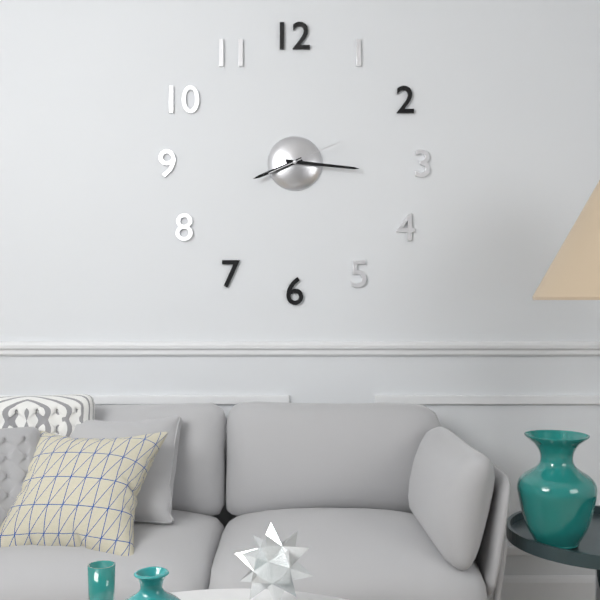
{"hour": 8, "minute": 16, "second": 11}
